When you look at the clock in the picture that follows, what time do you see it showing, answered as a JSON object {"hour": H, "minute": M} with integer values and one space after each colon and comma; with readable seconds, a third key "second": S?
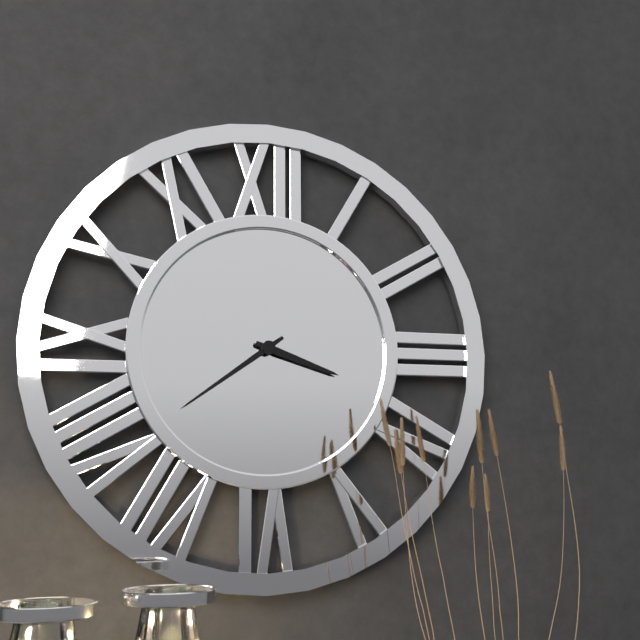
{"hour": 3, "minute": 39}
